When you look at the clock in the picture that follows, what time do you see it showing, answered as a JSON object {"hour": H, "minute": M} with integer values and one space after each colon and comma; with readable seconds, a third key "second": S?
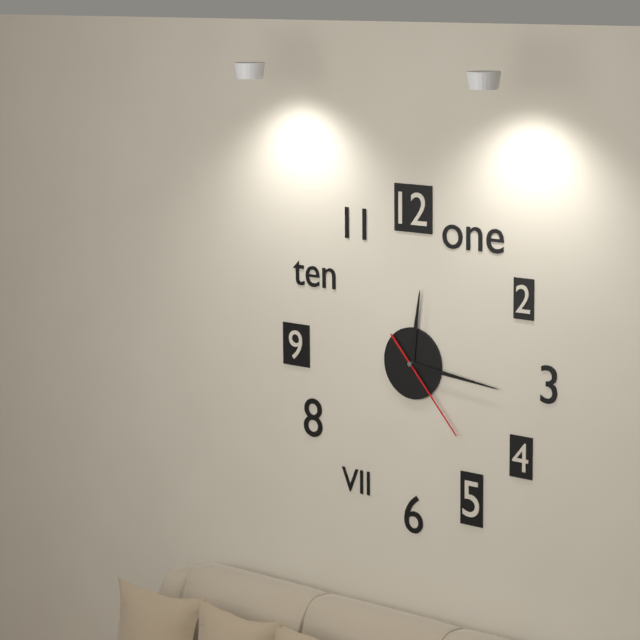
{"hour": 12, "minute": 16, "second": 23}
